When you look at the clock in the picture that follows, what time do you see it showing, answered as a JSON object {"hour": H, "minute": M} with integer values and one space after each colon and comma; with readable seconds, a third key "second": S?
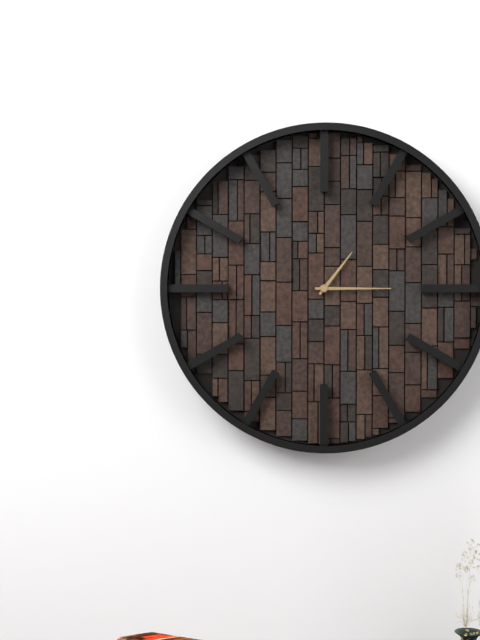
{"hour": 1, "minute": 15}
